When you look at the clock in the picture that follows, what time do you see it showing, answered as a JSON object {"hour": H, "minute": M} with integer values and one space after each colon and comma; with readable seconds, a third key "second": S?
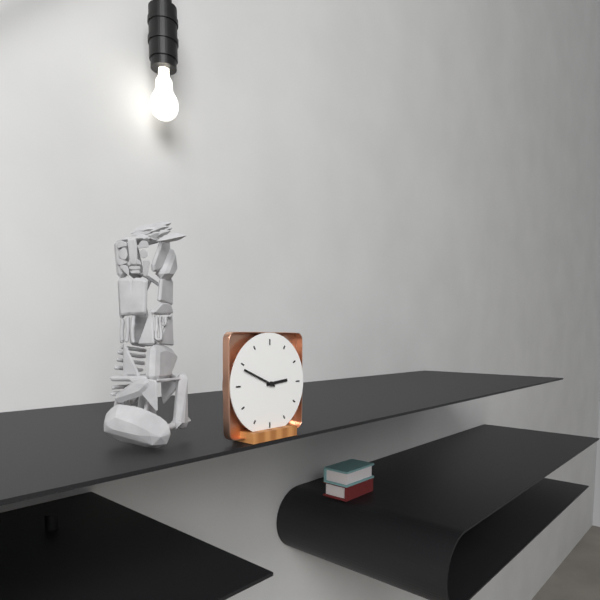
{"hour": 2, "minute": 49}
